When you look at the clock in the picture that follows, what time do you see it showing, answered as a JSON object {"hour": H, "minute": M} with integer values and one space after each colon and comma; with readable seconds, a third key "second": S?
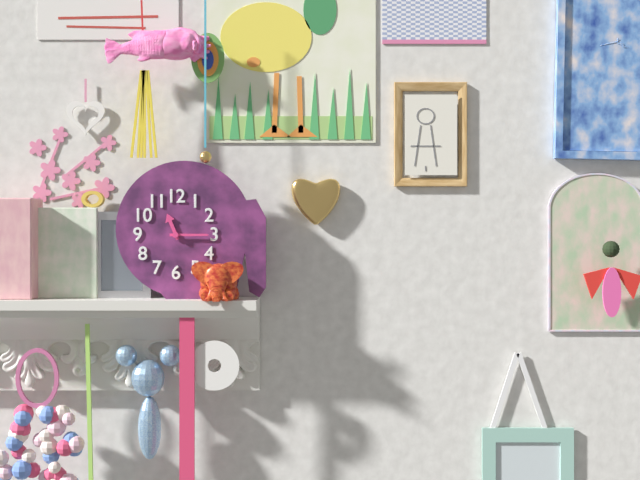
{"hour": 11, "minute": 15}
